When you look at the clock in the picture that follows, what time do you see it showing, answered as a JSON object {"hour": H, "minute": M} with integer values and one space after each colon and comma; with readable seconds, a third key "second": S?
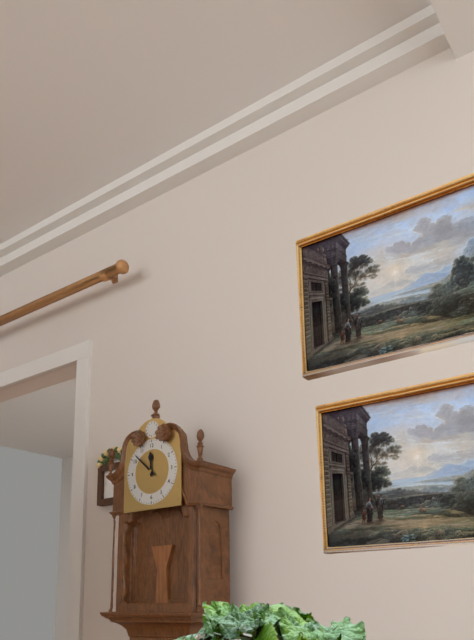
{"hour": 11, "minute": 52}
